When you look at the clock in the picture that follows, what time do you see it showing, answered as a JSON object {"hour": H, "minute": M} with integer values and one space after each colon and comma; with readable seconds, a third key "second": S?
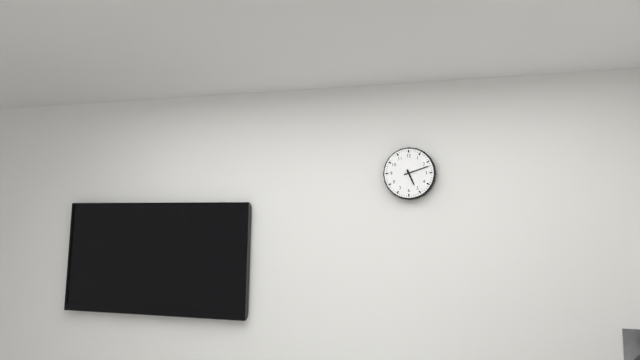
{"hour": 5, "minute": 12}
